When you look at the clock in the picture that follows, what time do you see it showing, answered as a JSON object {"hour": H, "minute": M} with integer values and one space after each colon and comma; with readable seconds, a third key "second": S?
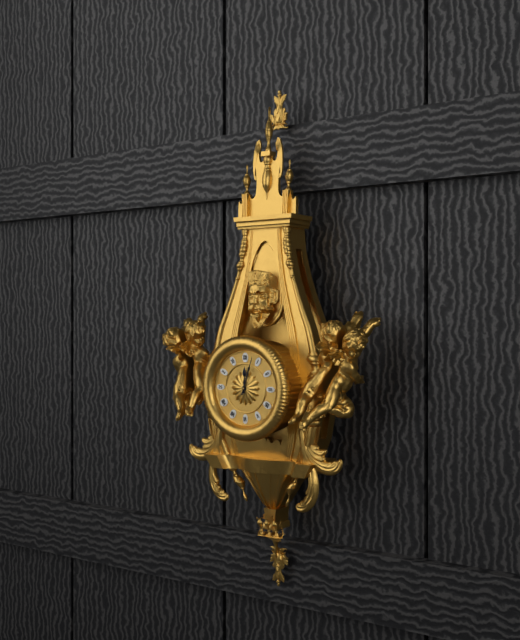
{"hour": 12, "minute": 3}
